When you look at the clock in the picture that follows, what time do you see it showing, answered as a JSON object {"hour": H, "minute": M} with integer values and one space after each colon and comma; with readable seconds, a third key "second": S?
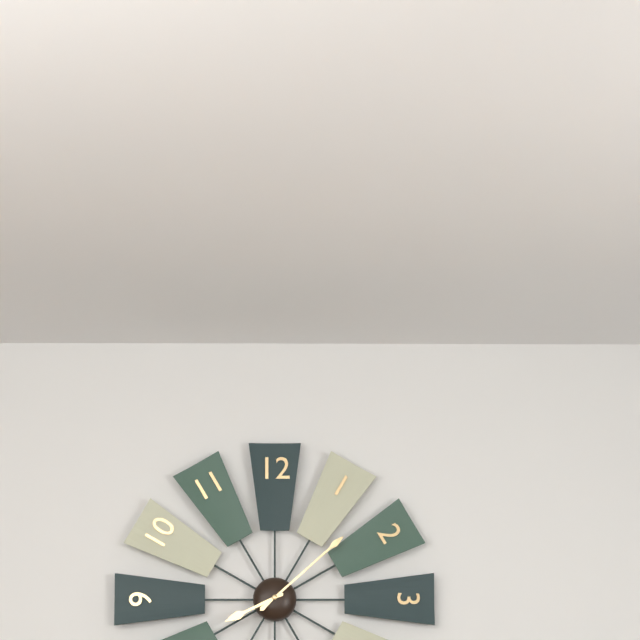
{"hour": 8, "minute": 8}
